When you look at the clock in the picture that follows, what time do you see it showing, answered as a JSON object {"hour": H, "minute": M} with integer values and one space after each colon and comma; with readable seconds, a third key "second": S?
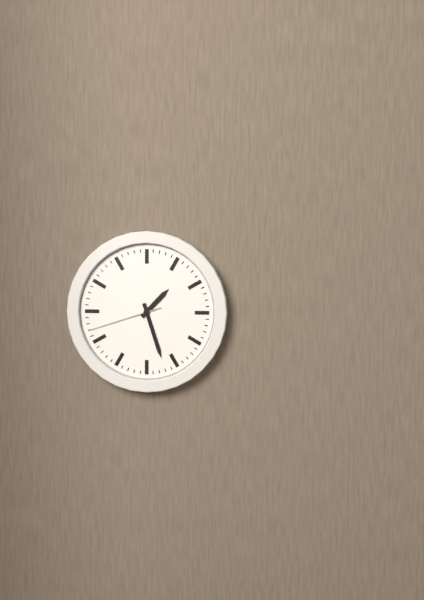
{"hour": 1, "minute": 27, "second": 42}
